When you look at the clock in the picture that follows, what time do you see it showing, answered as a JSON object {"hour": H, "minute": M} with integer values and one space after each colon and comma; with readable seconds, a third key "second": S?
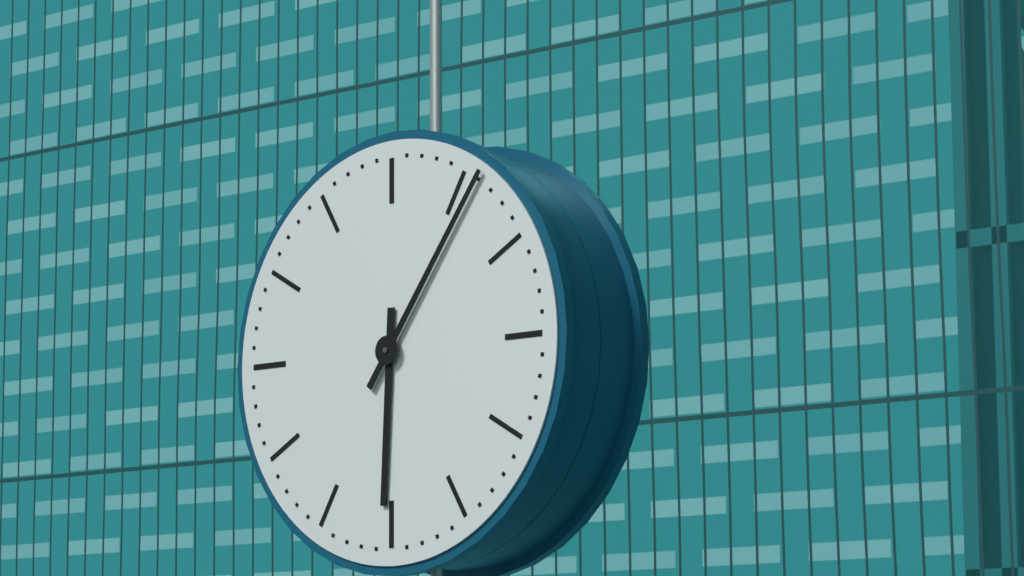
{"hour": 6, "minute": 6}
